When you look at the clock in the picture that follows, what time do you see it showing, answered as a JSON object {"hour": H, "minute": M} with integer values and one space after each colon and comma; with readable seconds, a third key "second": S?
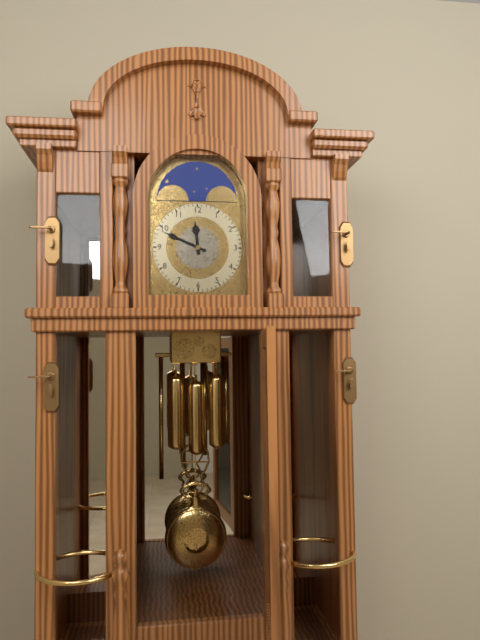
{"hour": 11, "minute": 49}
